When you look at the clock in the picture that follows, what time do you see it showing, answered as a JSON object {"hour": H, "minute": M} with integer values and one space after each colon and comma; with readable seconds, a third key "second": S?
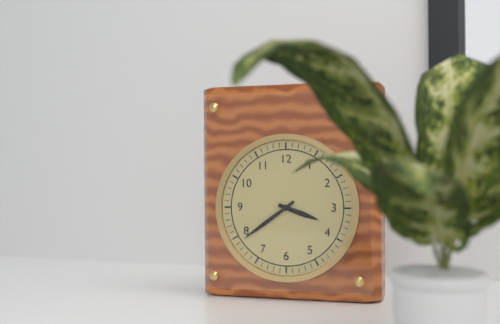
{"hour": 3, "minute": 39}
